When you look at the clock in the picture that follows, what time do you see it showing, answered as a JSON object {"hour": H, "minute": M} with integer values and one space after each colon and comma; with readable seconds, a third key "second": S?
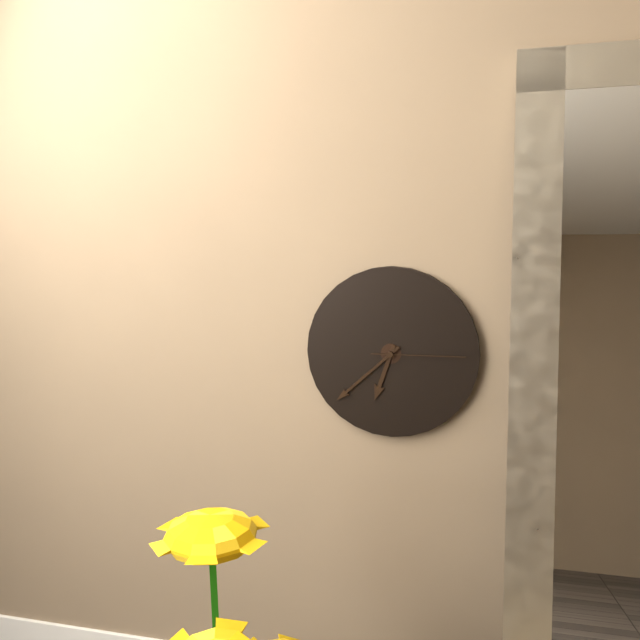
{"hour": 6, "minute": 38, "second": 15}
